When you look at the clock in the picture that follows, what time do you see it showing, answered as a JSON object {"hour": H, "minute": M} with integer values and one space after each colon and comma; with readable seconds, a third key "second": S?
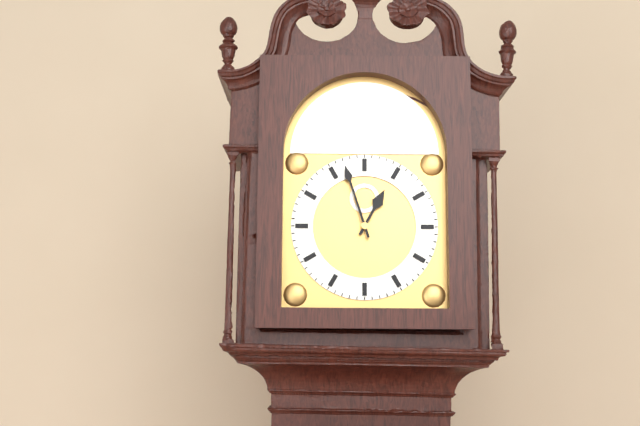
{"hour": 12, "minute": 57}
